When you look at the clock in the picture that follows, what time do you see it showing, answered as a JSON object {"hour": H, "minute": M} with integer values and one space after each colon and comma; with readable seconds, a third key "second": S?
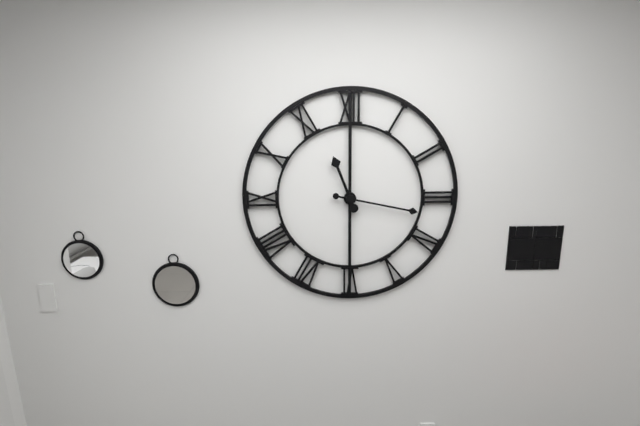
{"hour": 11, "minute": 17}
